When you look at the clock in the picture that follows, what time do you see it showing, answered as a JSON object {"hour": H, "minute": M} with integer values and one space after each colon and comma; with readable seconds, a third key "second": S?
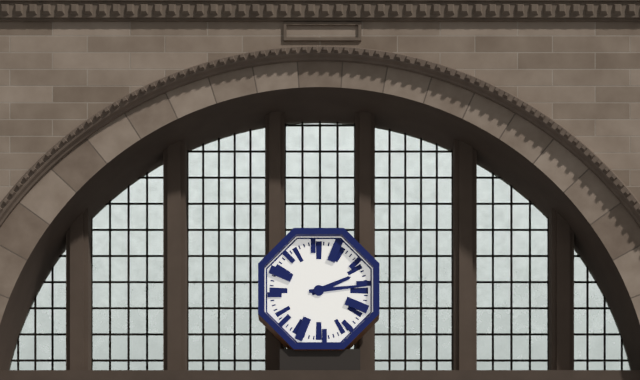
{"hour": 2, "minute": 14}
